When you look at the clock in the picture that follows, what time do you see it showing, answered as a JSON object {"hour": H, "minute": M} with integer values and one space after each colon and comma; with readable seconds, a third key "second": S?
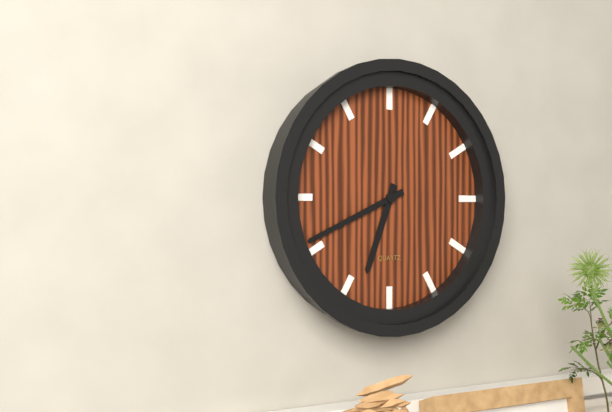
{"hour": 6, "minute": 41}
